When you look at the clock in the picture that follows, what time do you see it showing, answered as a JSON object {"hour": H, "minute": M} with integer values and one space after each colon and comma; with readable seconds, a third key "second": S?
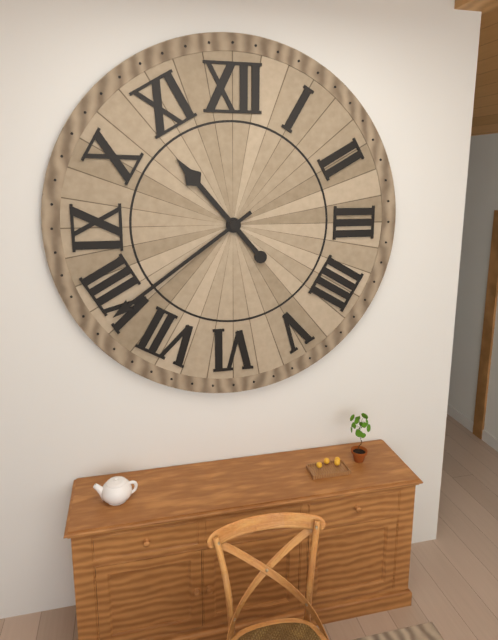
{"hour": 10, "minute": 39}
